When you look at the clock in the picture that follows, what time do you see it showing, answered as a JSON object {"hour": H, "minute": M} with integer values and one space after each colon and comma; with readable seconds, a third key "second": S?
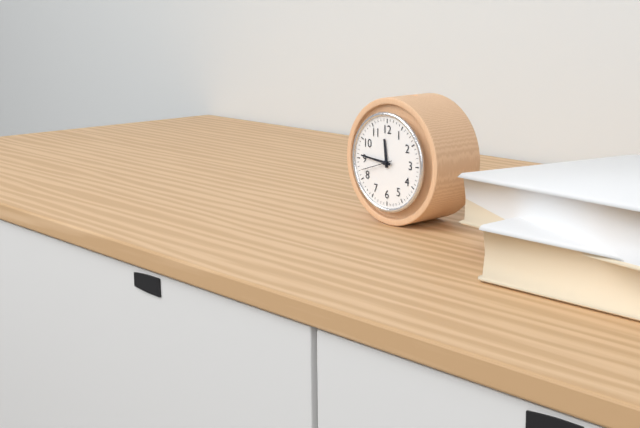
{"hour": 11, "minute": 46}
